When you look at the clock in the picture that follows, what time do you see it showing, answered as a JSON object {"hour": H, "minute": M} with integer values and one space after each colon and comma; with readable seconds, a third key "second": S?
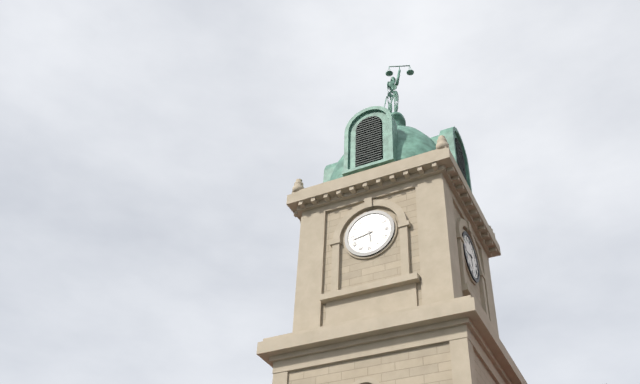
{"hour": 5, "minute": 43}
